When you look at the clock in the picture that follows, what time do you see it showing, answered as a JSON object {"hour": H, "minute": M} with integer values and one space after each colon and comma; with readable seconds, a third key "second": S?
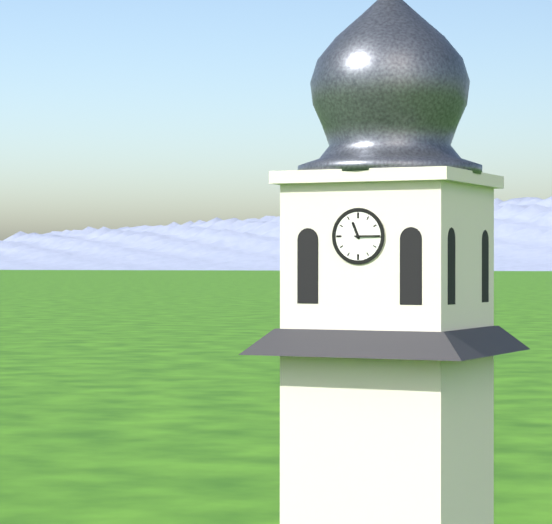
{"hour": 11, "minute": 15}
